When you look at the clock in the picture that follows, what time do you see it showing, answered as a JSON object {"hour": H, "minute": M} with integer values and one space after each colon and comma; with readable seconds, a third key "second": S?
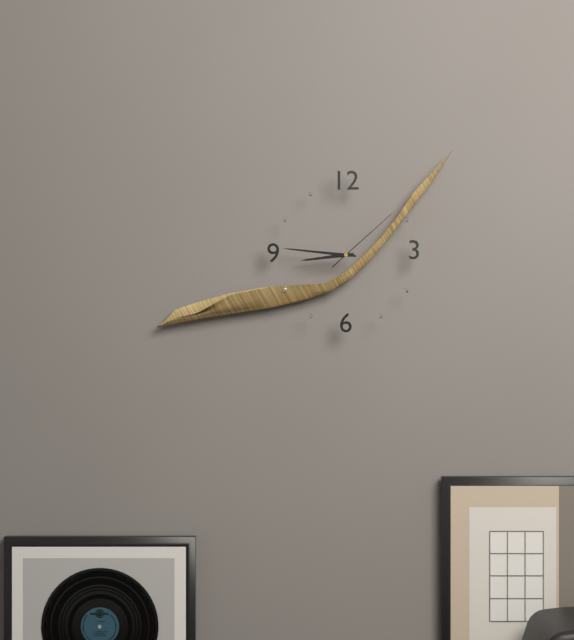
{"hour": 8, "minute": 46, "second": 8}
